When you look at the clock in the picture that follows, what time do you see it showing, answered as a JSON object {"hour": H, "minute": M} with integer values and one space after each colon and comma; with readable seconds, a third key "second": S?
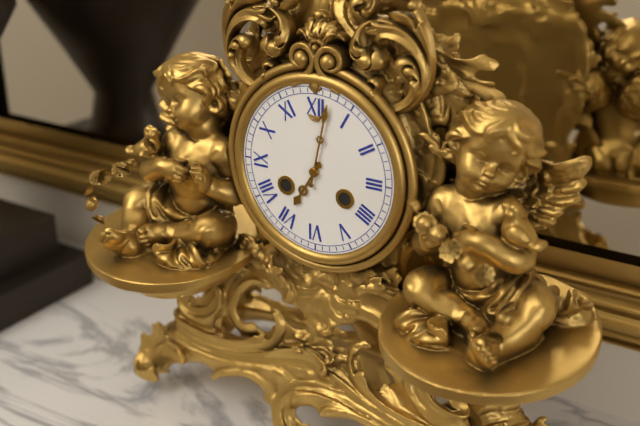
{"hour": 7, "minute": 2}
